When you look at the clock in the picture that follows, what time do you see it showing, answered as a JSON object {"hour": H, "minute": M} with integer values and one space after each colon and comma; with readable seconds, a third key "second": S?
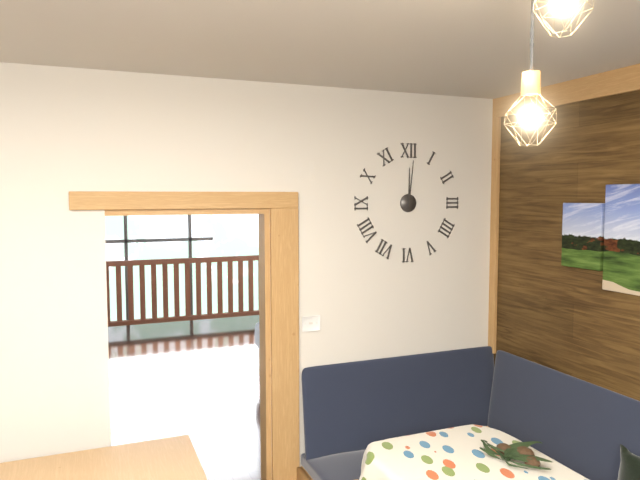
{"hour": 12, "minute": 1}
